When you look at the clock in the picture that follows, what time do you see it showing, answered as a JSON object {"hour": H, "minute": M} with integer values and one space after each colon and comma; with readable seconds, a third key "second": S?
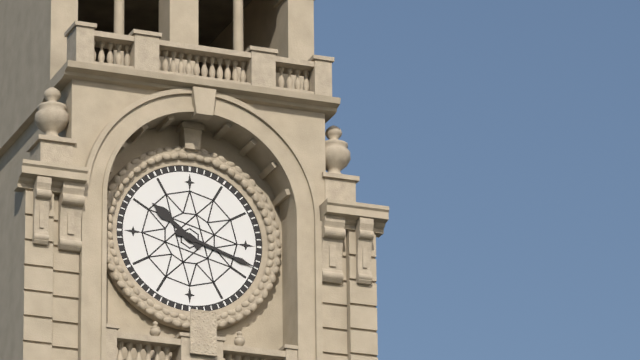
{"hour": 10, "minute": 18}
